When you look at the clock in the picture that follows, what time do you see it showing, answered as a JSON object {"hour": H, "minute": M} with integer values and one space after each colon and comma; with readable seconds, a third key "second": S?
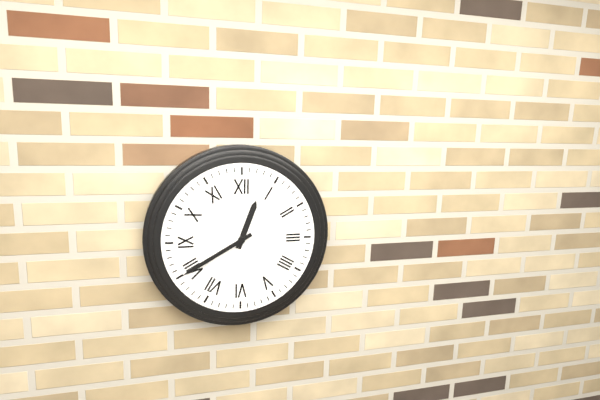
{"hour": 12, "minute": 40}
